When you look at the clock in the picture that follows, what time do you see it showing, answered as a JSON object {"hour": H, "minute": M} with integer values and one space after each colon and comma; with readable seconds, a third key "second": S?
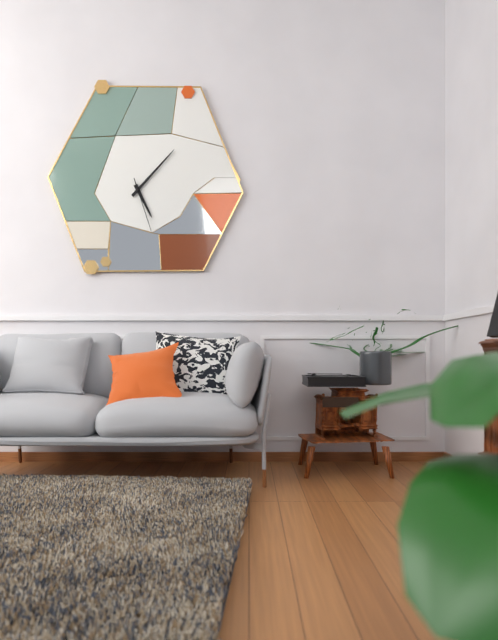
{"hour": 5, "minute": 7, "second": 27}
